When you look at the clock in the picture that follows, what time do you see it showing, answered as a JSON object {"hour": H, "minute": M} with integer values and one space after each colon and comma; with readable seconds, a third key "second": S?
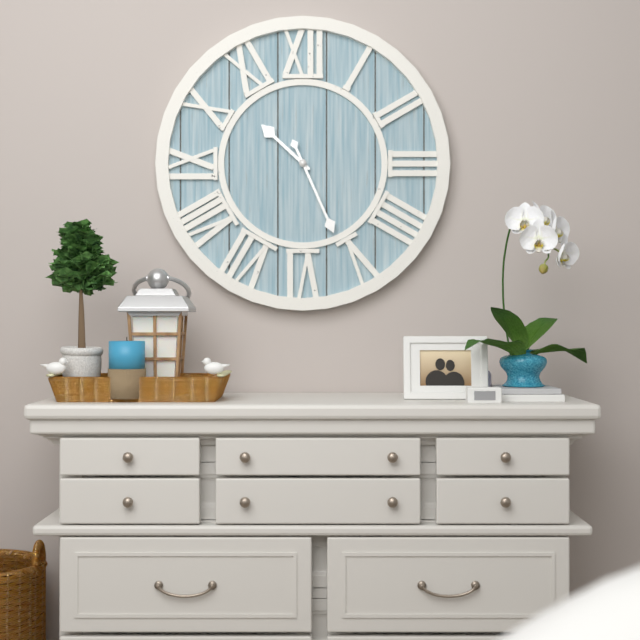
{"hour": 10, "minute": 26}
